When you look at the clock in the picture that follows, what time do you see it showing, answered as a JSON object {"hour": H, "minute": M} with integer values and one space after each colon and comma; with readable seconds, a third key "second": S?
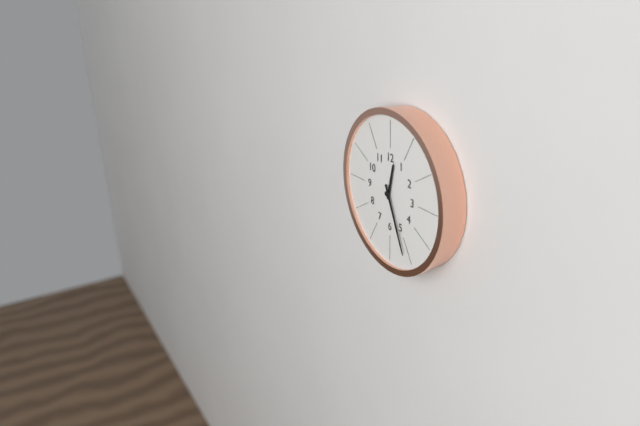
{"hour": 12, "minute": 26}
